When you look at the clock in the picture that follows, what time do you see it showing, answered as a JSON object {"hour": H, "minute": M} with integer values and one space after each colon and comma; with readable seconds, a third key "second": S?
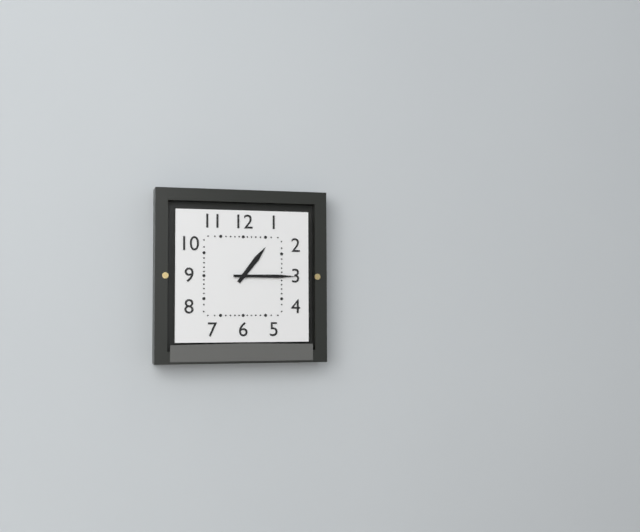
{"hour": 1, "minute": 15}
